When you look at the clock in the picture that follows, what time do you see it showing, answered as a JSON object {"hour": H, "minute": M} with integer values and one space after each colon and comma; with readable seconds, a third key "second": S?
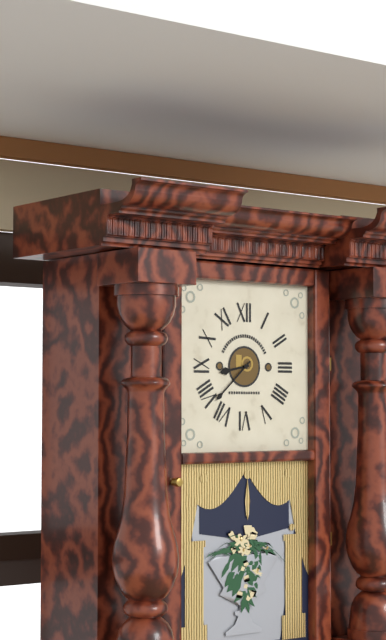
{"hour": 8, "minute": 38}
